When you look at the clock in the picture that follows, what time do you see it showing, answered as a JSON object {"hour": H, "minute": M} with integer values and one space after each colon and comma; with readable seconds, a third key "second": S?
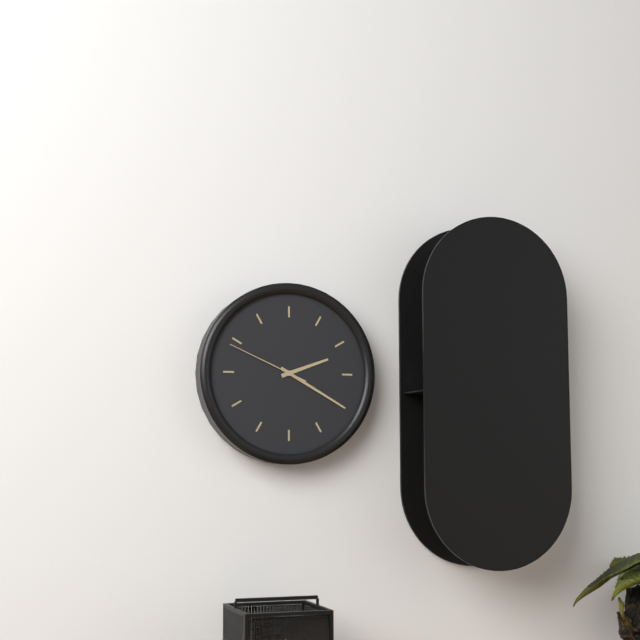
{"hour": 2, "minute": 20, "second": 49}
